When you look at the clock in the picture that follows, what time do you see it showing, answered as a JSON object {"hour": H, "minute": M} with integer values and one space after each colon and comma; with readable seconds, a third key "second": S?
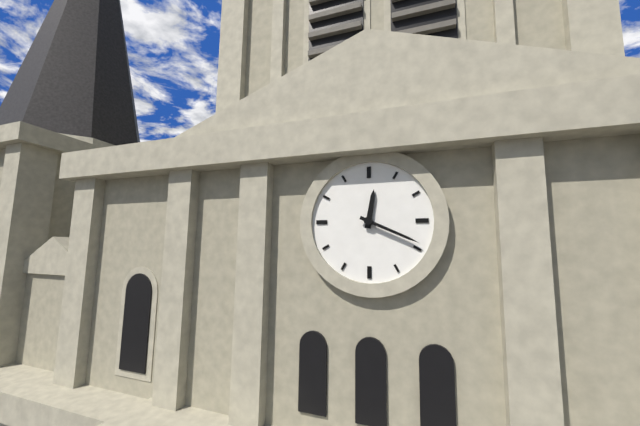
{"hour": 12, "minute": 19}
